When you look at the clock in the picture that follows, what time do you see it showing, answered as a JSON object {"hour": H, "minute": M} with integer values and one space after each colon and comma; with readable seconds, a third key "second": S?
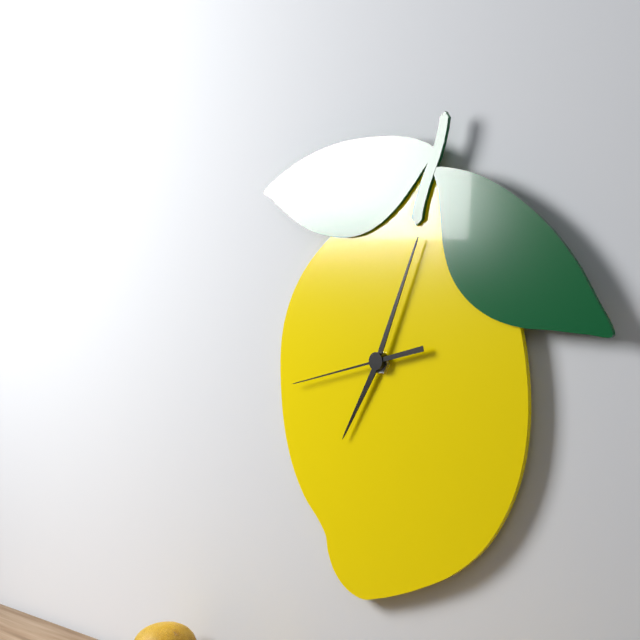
{"hour": 7, "minute": 4, "second": 43}
